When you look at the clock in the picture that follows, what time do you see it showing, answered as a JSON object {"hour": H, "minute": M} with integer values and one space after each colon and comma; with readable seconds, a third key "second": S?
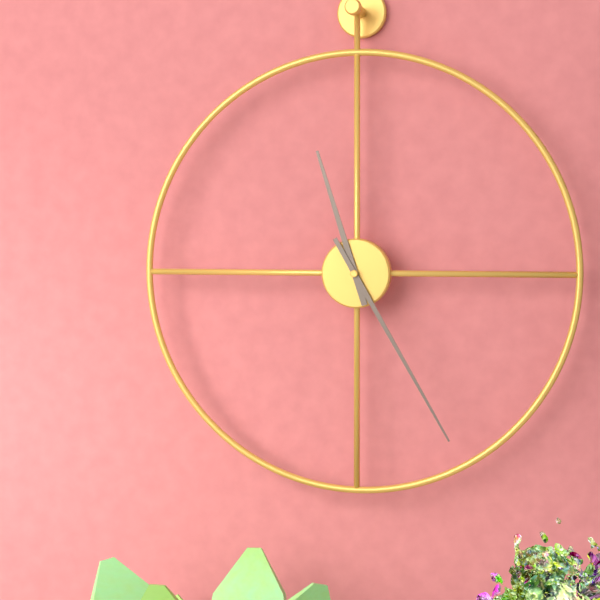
{"hour": 11, "minute": 25}
